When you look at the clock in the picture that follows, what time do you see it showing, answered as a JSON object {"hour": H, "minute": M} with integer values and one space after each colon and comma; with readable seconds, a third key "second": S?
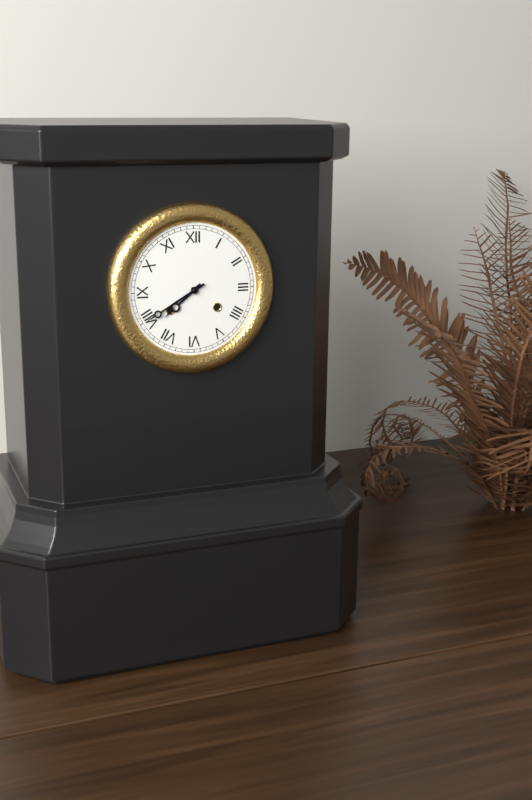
{"hour": 7, "minute": 40}
